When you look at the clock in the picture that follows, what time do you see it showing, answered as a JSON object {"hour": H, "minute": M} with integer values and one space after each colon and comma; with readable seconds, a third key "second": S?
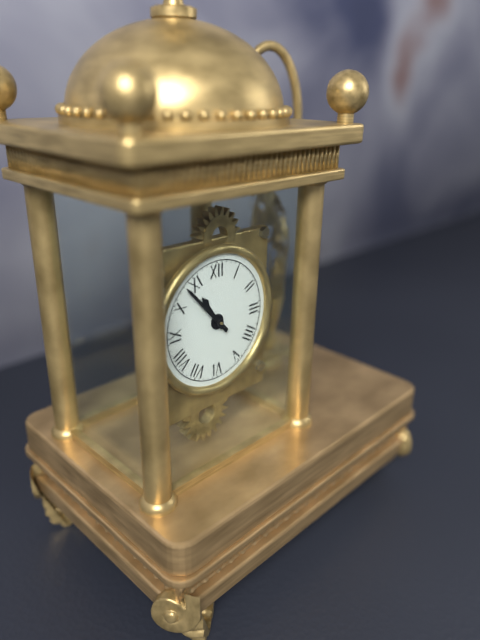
{"hour": 10, "minute": 53}
